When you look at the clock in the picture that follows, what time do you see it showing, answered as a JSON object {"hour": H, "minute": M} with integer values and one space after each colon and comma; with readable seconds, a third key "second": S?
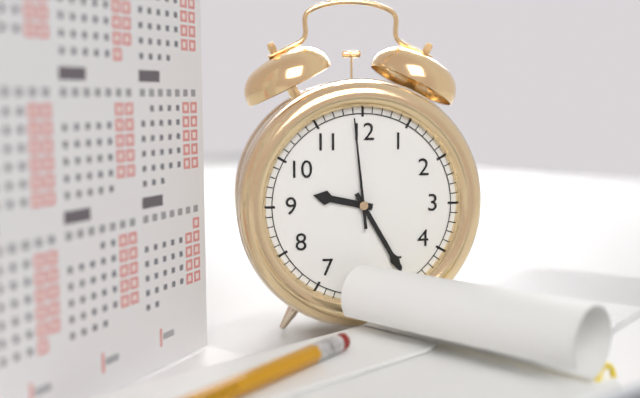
{"hour": 9, "minute": 25, "second": 59}
